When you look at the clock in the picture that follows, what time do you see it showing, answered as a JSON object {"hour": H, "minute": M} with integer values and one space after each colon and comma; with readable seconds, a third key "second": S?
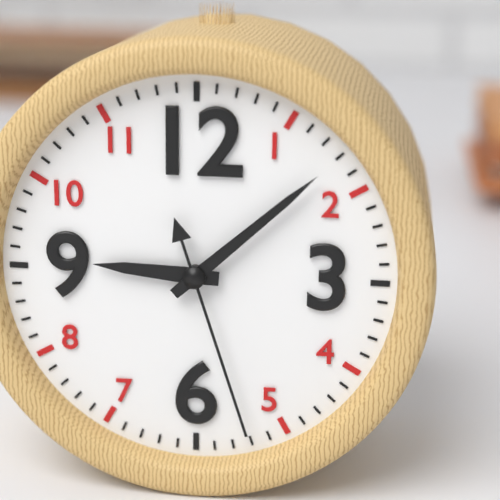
{"hour": 9, "minute": 8, "second": 27}
